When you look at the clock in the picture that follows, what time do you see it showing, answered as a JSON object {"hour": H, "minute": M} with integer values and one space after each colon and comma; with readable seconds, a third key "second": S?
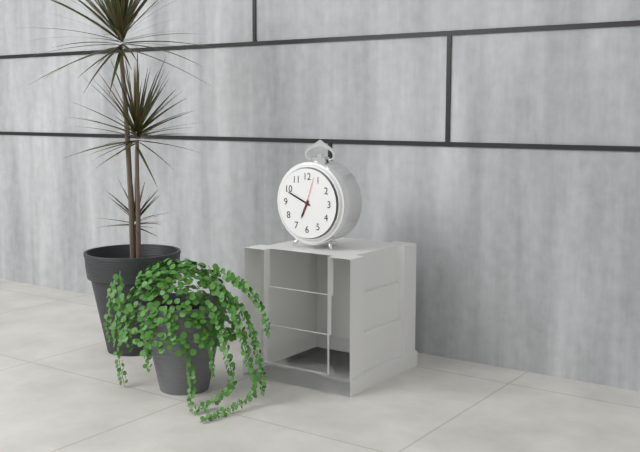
{"hour": 6, "minute": 49}
